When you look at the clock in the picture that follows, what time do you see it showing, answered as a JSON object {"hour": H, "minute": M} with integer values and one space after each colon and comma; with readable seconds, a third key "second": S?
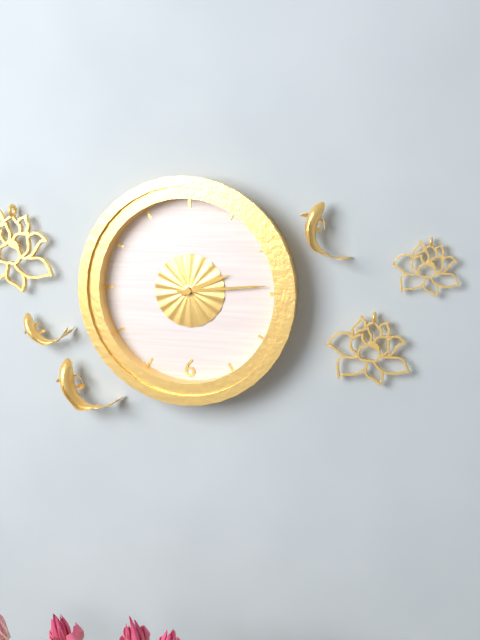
{"hour": 2, "minute": 14}
